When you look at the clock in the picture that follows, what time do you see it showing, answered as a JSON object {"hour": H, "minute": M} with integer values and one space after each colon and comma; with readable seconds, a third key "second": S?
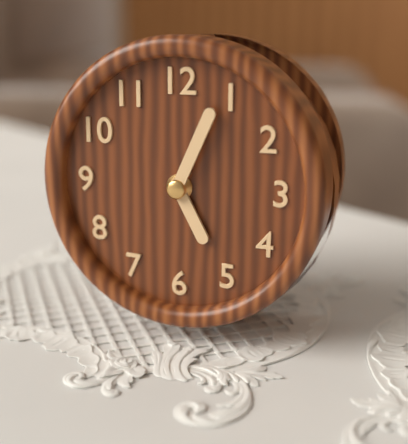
{"hour": 5, "minute": 4}
